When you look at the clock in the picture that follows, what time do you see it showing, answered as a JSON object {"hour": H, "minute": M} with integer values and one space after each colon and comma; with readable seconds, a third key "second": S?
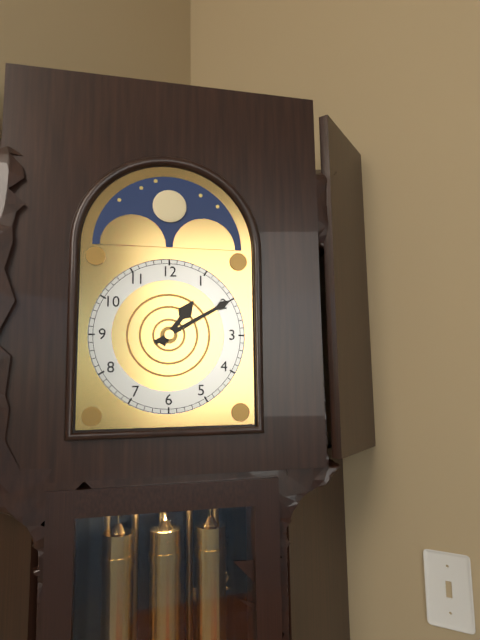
{"hour": 1, "minute": 10}
